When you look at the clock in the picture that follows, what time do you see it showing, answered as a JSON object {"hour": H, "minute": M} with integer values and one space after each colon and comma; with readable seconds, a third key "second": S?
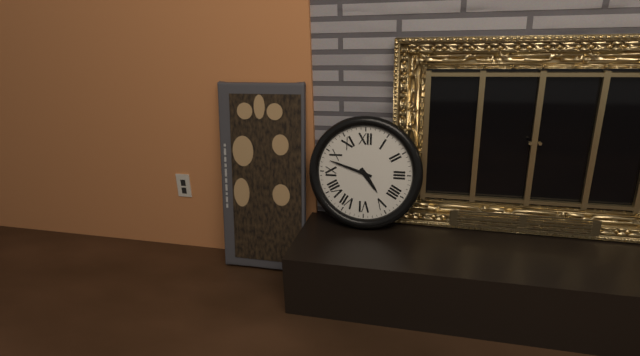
{"hour": 4, "minute": 48}
